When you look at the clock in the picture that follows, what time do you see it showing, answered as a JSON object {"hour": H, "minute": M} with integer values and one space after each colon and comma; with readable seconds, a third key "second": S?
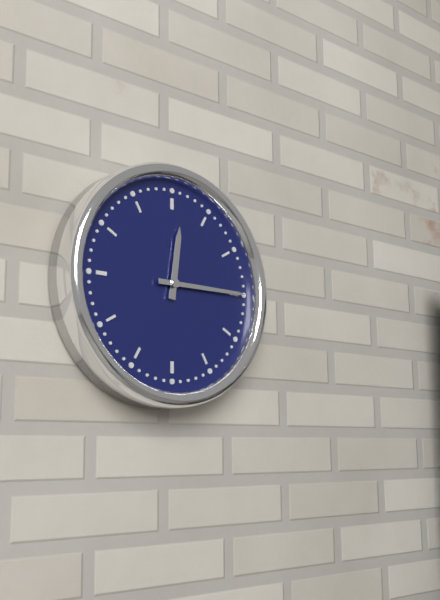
{"hour": 12, "minute": 15}
